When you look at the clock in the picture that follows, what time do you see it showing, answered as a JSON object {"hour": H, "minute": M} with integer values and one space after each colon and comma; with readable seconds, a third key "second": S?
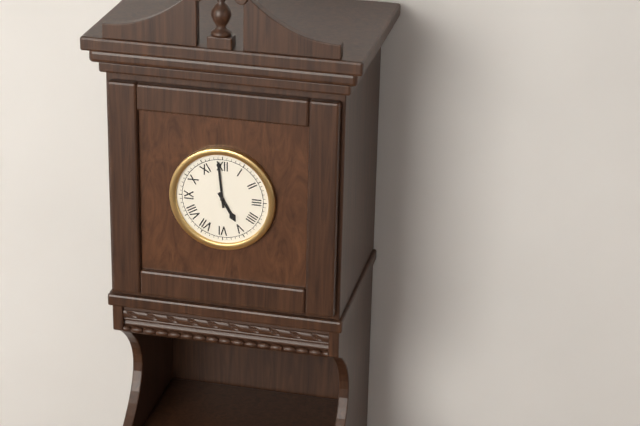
{"hour": 4, "minute": 59}
